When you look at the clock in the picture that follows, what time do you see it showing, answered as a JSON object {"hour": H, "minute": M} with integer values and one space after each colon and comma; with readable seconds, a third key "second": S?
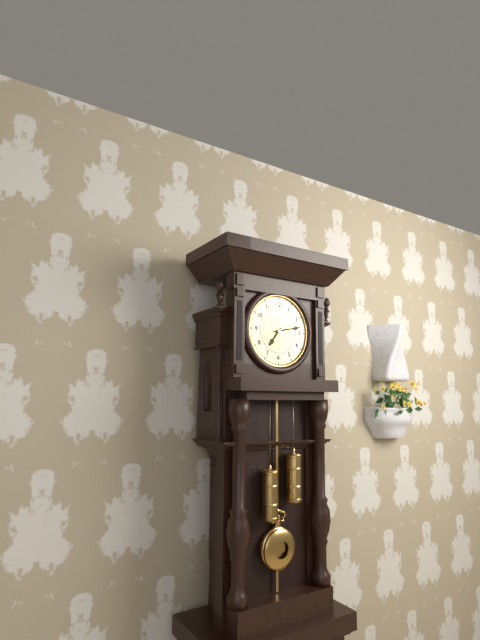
{"hour": 7, "minute": 13}
